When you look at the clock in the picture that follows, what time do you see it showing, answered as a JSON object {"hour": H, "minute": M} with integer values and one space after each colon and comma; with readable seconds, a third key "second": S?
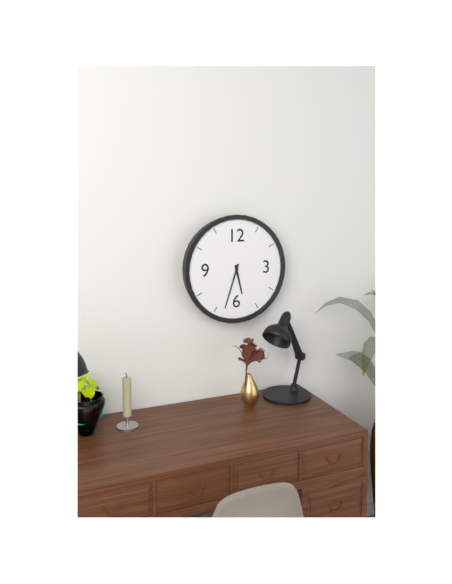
{"hour": 5, "minute": 33}
